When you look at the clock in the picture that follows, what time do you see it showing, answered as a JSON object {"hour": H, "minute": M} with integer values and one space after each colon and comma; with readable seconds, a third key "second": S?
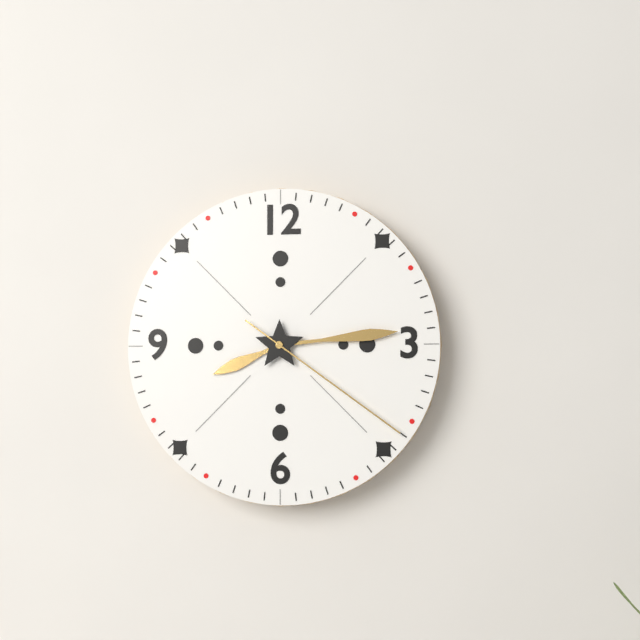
{"hour": 8, "minute": 14, "second": 21}
